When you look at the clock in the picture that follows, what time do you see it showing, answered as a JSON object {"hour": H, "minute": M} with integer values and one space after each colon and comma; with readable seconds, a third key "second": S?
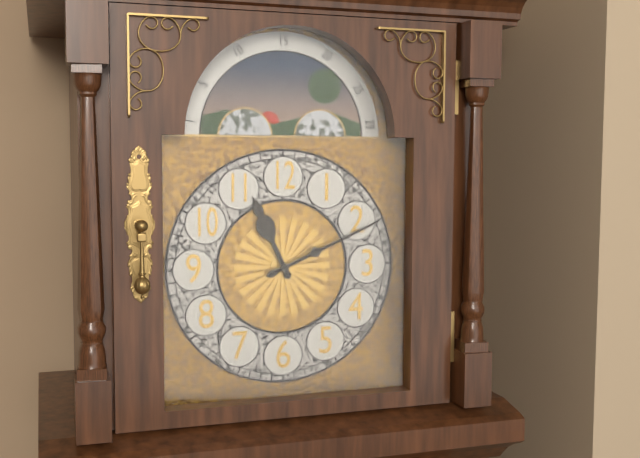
{"hour": 11, "minute": 11}
